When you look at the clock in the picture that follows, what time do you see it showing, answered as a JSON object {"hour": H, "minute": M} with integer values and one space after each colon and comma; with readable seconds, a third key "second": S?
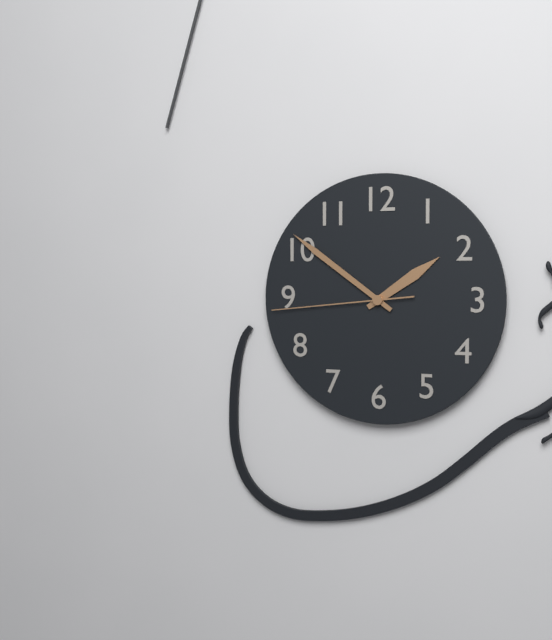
{"hour": 1, "minute": 51, "second": 44}
